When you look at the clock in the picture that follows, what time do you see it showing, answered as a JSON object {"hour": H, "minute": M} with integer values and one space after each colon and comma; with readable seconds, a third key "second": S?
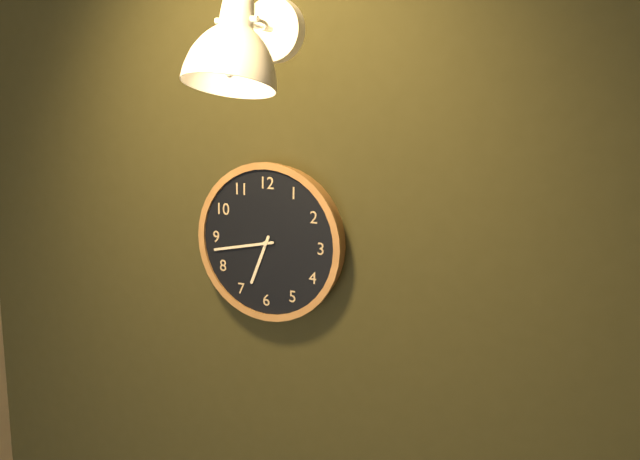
{"hour": 6, "minute": 43}
